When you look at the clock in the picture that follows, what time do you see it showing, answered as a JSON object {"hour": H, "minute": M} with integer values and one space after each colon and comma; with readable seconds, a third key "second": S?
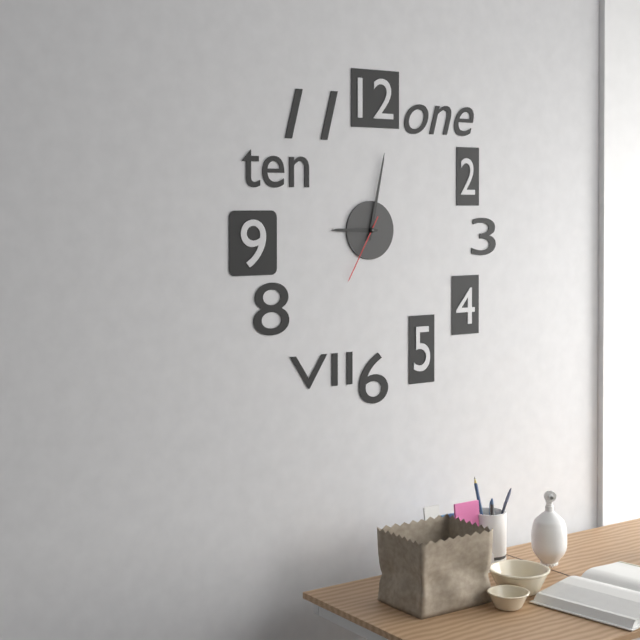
{"hour": 9, "minute": 2, "second": 35}
